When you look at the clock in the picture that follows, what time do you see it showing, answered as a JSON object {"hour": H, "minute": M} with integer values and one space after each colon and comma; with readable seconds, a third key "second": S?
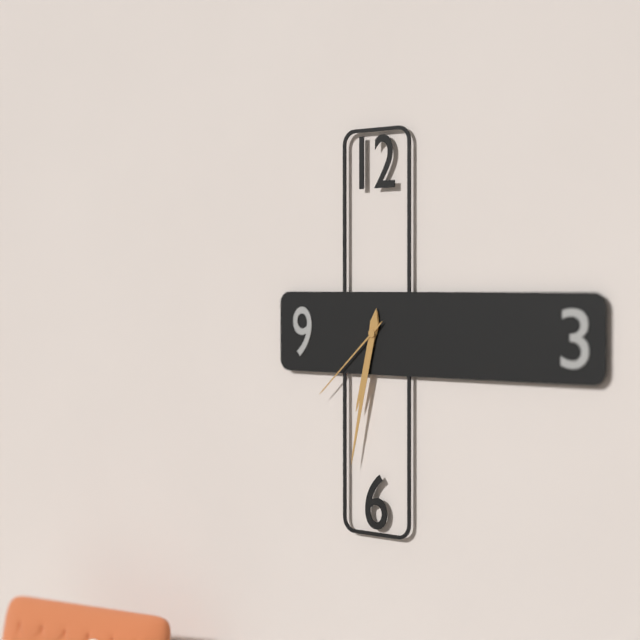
{"hour": 6, "minute": 32, "second": 38}
